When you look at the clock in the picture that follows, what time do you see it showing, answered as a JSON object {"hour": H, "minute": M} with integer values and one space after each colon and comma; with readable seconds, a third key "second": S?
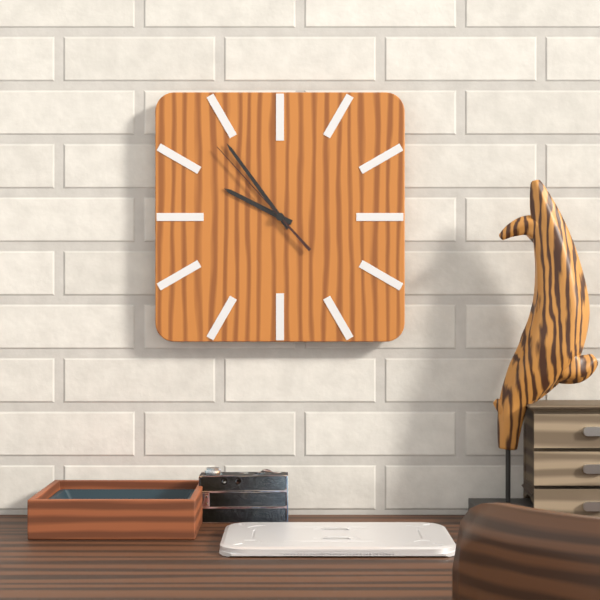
{"hour": 9, "minute": 54, "second": 53}
